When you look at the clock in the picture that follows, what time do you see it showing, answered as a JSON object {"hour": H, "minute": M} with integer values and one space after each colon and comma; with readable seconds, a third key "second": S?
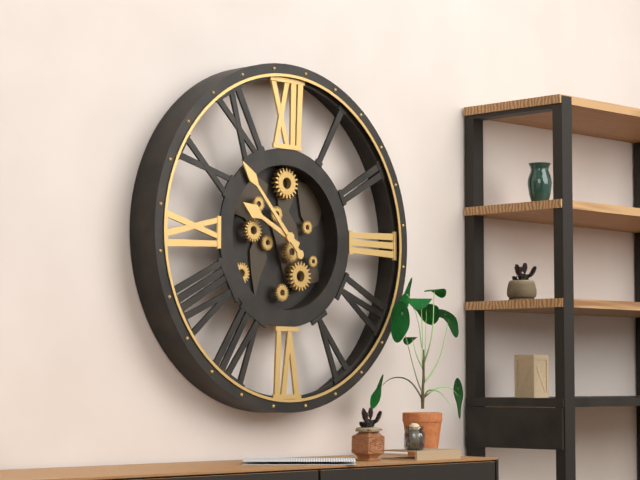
{"hour": 9, "minute": 53}
